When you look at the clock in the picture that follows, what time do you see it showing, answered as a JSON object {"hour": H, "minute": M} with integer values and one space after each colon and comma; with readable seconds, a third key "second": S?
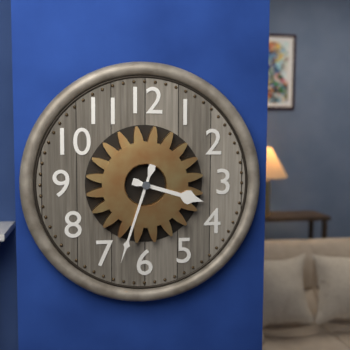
{"hour": 3, "minute": 33}
